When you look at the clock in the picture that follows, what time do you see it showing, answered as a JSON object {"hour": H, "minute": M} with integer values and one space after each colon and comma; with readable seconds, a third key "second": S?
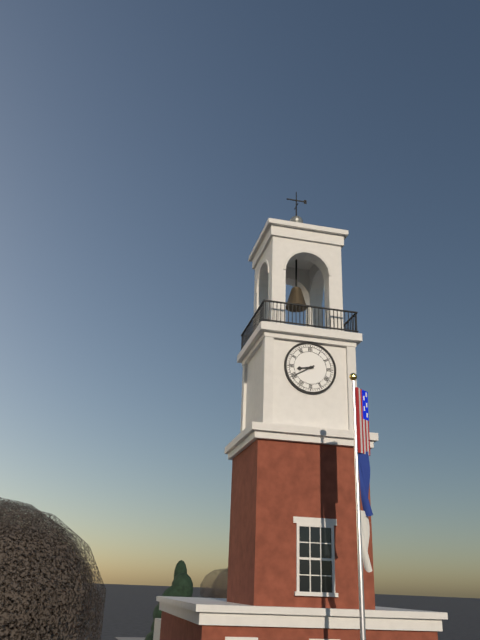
{"hour": 8, "minute": 40}
